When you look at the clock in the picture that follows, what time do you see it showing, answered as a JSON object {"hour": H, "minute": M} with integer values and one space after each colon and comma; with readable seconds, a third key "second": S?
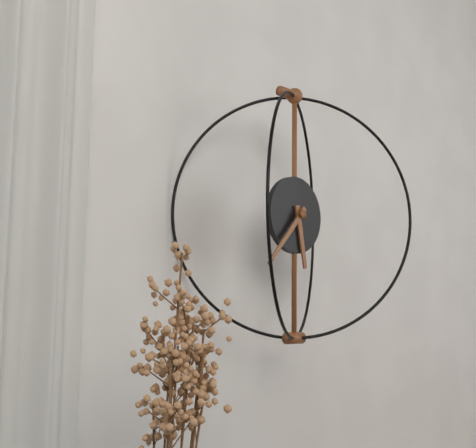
{"hour": 5, "minute": 37}
